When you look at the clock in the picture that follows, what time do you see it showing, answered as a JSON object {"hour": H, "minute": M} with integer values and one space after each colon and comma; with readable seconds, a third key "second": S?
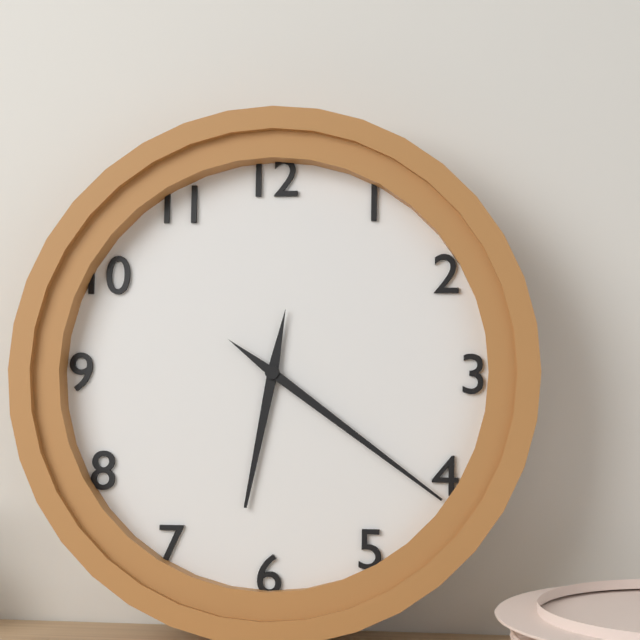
{"hour": 6, "minute": 21}
